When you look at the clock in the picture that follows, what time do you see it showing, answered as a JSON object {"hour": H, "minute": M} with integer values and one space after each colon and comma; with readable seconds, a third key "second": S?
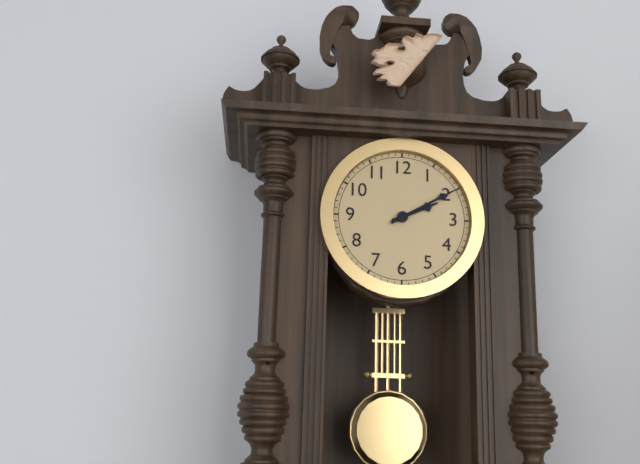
{"hour": 2, "minute": 10}
